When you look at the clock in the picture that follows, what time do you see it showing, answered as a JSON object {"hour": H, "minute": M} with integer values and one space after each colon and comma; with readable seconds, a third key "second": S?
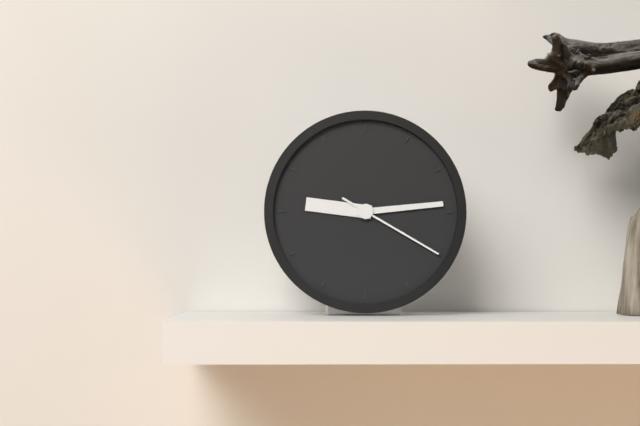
{"hour": 9, "minute": 14, "second": 20}
